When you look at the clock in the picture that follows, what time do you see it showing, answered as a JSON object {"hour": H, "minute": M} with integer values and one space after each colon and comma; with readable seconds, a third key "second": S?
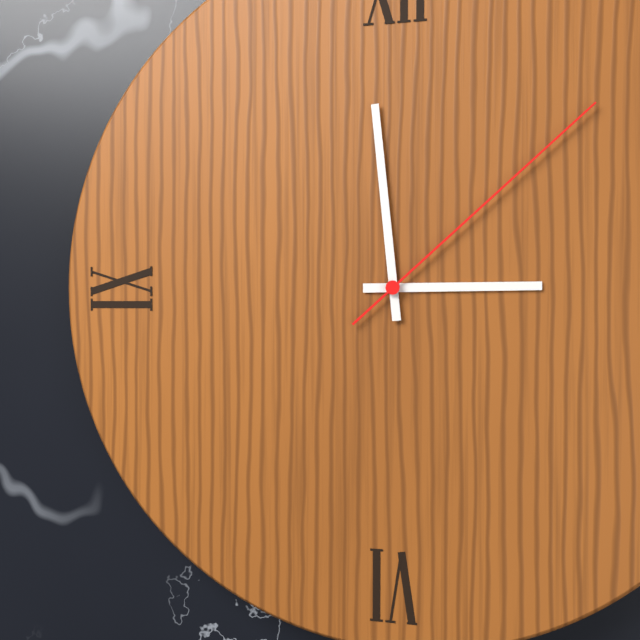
{"hour": 2, "minute": 59, "second": 8}
